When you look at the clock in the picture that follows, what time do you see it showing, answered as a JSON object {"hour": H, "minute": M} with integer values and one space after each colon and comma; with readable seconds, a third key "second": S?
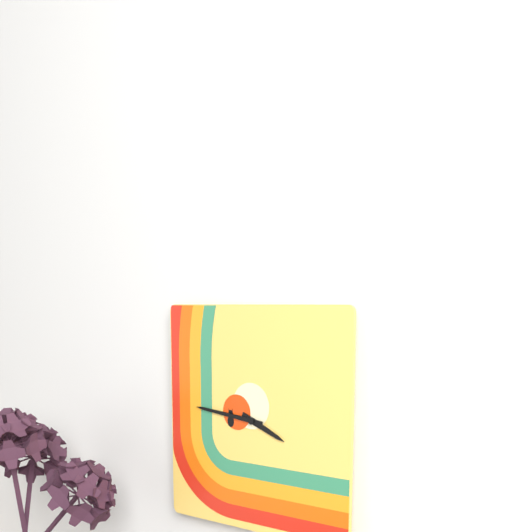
{"hour": 3, "minute": 46}
